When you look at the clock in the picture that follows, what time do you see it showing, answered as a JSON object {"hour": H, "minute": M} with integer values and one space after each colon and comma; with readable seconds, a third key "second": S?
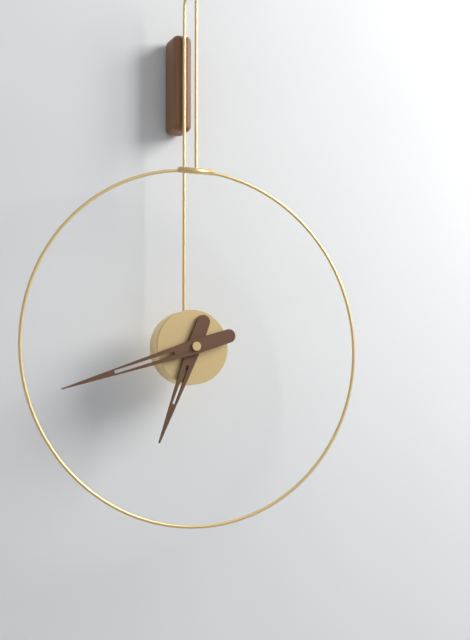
{"hour": 6, "minute": 42}
